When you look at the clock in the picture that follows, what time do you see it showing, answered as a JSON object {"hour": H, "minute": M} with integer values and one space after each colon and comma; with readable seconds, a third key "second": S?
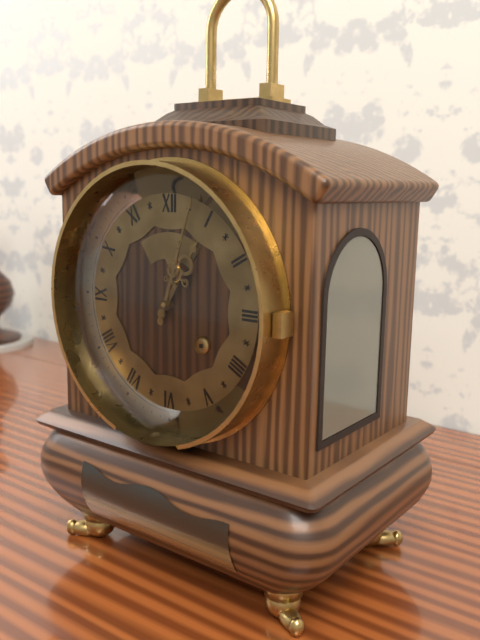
{"hour": 1, "minute": 3}
